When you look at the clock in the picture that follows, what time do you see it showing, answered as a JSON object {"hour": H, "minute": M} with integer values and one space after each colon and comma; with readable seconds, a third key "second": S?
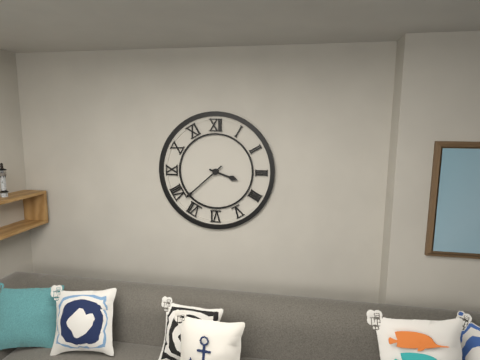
{"hour": 3, "minute": 38}
